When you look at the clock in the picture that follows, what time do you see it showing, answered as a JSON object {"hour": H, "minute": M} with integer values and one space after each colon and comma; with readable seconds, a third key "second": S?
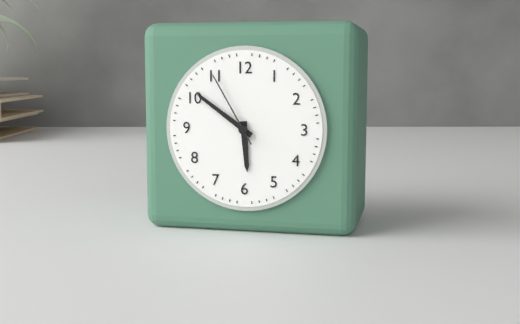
{"hour": 5, "minute": 51, "second": 55}
